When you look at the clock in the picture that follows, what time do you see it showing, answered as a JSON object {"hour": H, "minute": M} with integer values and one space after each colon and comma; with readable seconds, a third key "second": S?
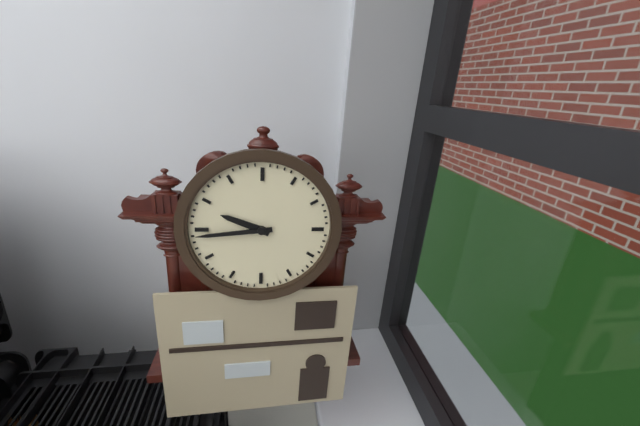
{"hour": 9, "minute": 44}
